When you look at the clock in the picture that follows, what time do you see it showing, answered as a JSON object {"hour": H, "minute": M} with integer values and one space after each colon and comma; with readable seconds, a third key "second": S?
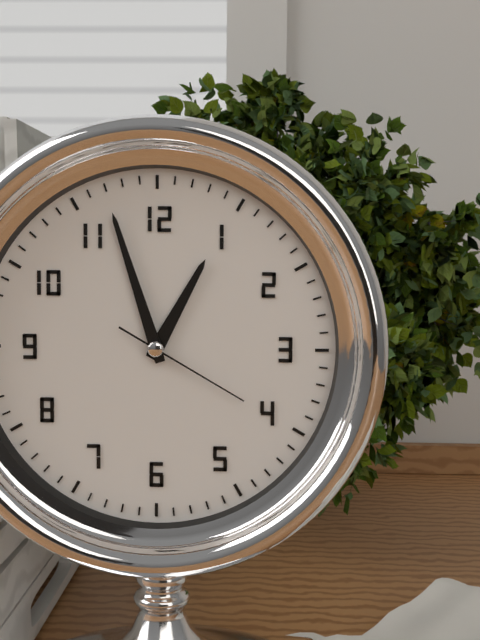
{"hour": 12, "minute": 57, "second": 20}
